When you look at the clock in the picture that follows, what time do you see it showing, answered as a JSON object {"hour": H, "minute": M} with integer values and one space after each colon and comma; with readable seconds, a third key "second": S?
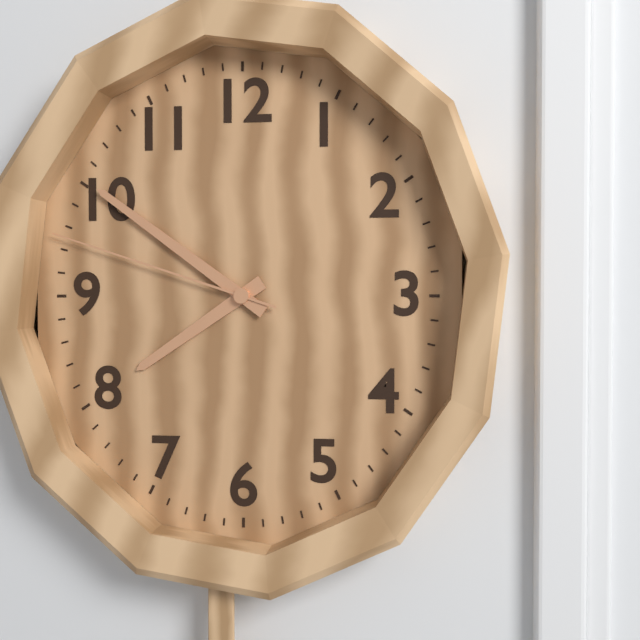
{"hour": 7, "minute": 51, "second": 48}
